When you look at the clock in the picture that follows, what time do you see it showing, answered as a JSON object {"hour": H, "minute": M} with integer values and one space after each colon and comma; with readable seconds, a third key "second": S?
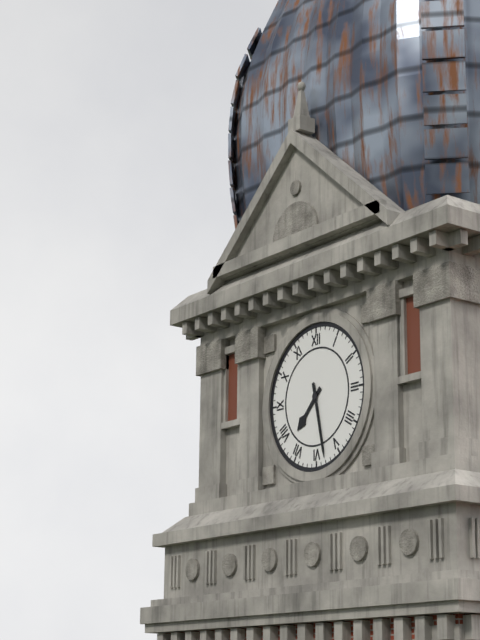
{"hour": 7, "minute": 28}
